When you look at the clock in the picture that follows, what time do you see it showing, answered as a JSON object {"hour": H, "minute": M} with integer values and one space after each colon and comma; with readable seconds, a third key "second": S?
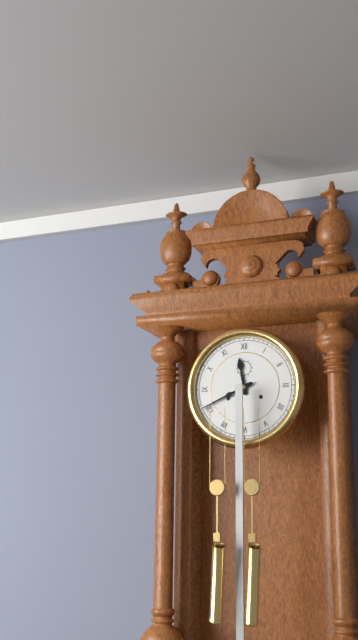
{"hour": 11, "minute": 41}
